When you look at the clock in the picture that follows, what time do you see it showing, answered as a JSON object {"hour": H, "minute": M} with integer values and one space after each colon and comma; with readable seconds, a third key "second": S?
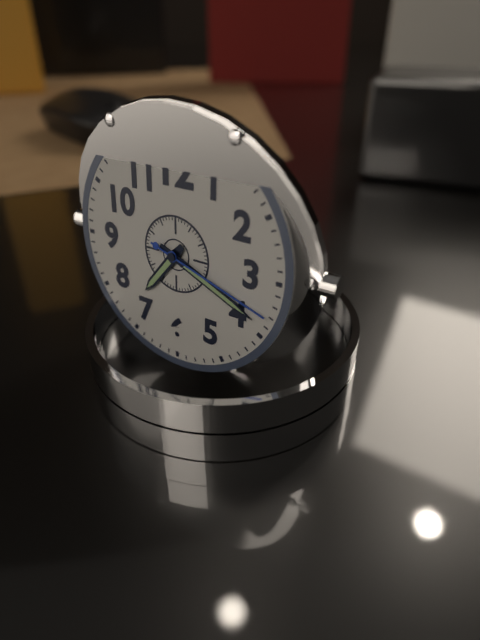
{"hour": 7, "minute": 19, "second": 18}
